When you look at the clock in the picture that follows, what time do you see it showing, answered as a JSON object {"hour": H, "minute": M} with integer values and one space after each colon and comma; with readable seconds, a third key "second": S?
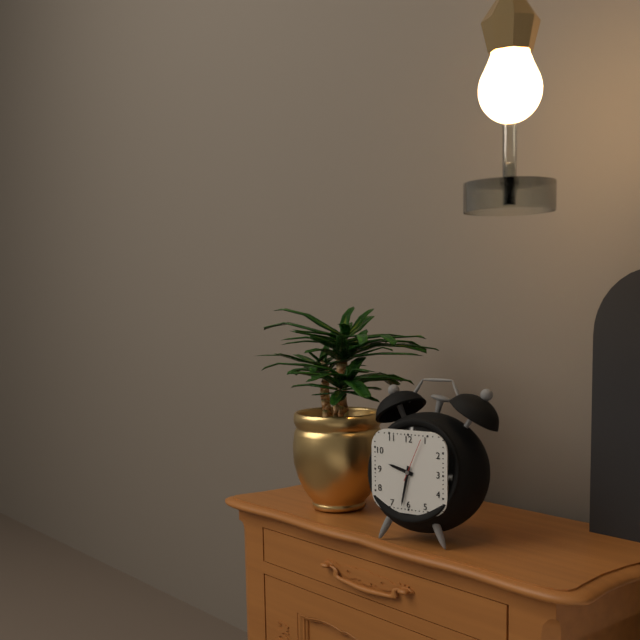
{"hour": 9, "minute": 32}
